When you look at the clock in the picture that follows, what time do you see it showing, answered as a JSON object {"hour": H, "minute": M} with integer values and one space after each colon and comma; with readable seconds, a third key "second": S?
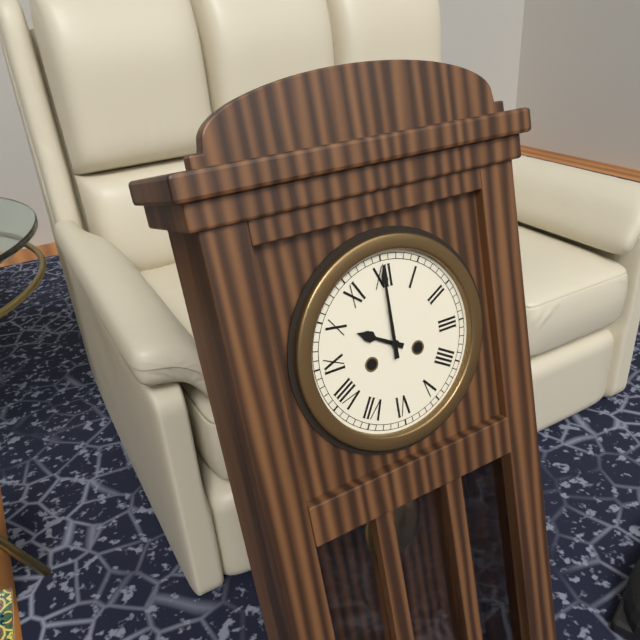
{"hour": 10, "minute": 0}
